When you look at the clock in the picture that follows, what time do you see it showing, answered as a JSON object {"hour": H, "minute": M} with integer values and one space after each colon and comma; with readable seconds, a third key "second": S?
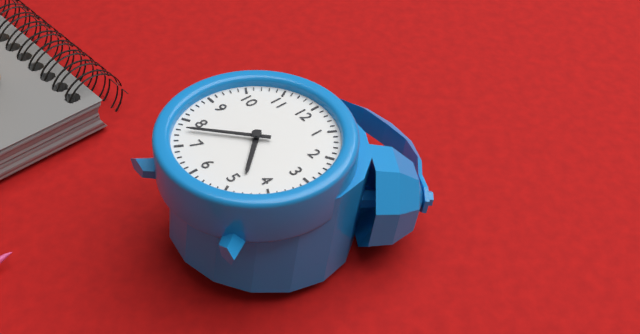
{"hour": 4, "minute": 38}
